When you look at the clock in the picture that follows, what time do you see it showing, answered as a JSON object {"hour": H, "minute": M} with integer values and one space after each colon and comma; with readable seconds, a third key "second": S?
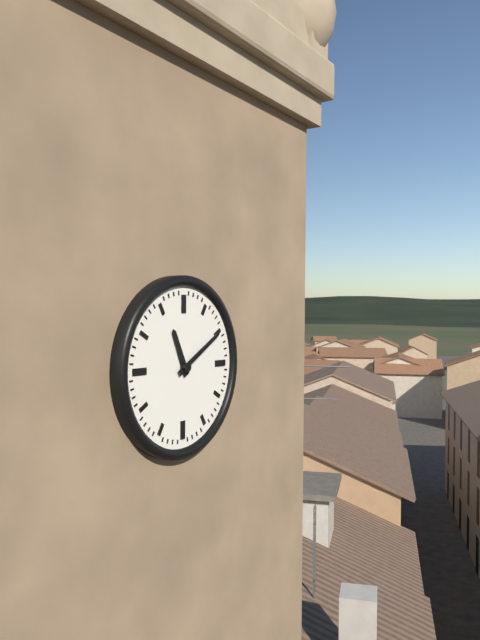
{"hour": 11, "minute": 10}
